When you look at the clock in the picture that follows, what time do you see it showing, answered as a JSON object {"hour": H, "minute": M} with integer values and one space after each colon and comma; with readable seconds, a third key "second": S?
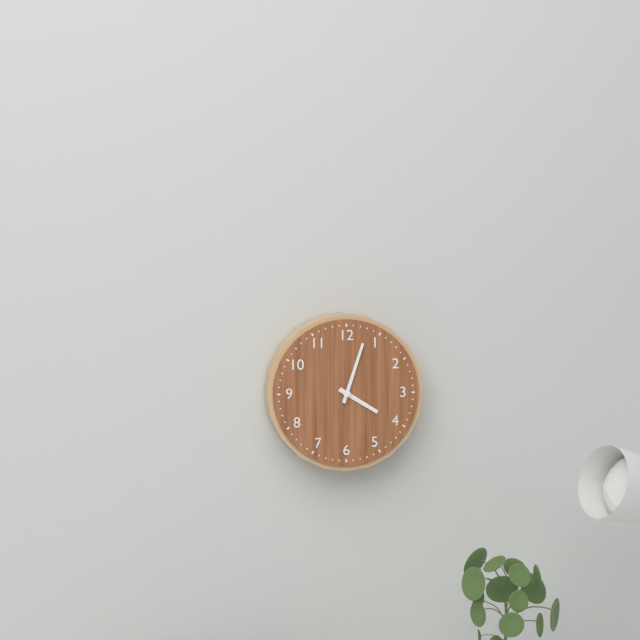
{"hour": 4, "minute": 3}
